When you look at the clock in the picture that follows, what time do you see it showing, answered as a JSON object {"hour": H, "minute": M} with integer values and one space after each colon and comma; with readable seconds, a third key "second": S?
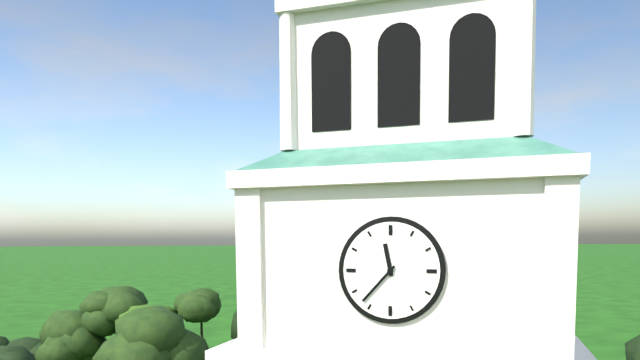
{"hour": 11, "minute": 37}
